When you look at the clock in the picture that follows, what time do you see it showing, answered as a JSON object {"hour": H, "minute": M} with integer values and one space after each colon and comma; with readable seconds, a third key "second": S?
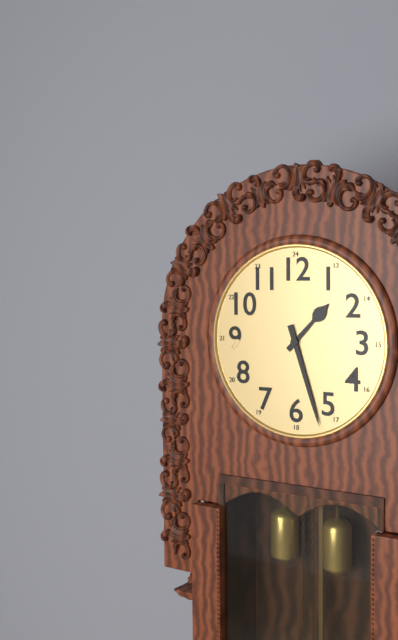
{"hour": 1, "minute": 27}
